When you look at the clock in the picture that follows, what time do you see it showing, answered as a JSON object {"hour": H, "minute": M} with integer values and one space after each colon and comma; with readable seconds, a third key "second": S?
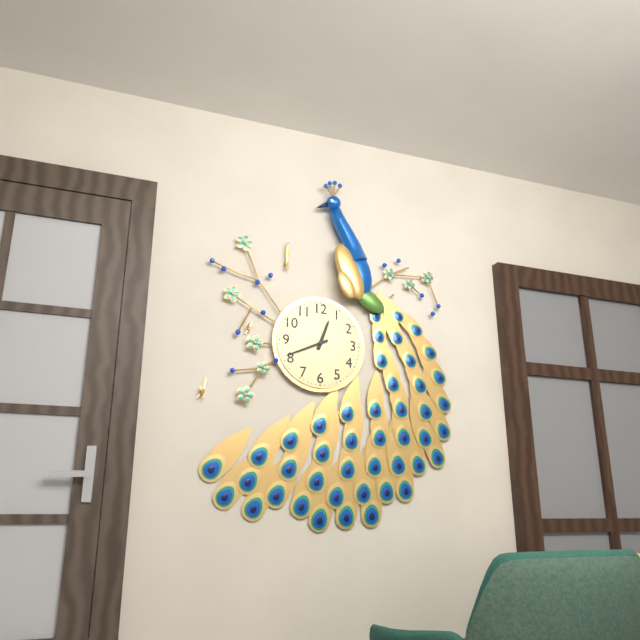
{"hour": 12, "minute": 41}
